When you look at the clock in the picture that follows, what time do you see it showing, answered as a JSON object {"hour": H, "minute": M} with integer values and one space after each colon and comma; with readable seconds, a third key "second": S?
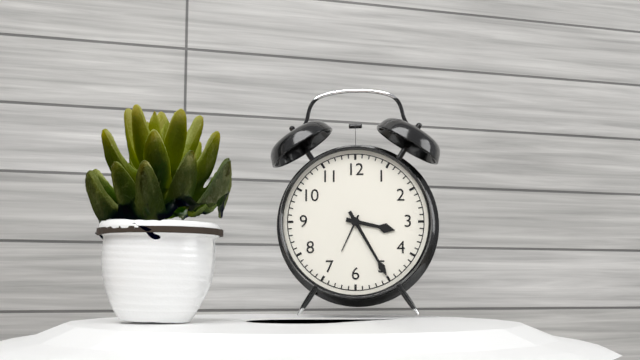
{"hour": 3, "minute": 25}
